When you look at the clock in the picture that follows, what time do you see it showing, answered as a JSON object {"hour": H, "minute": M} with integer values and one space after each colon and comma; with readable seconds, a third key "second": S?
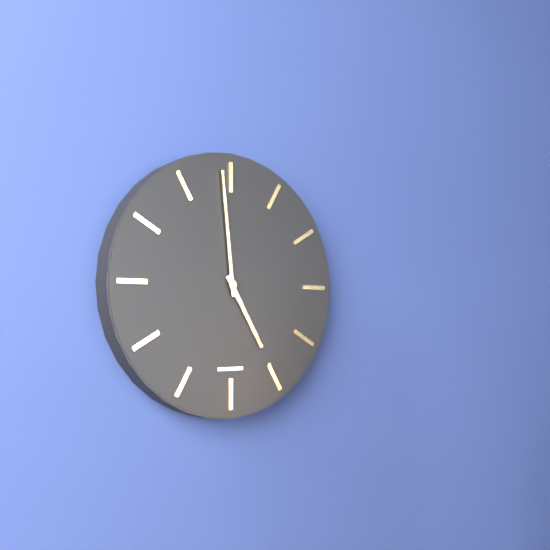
{"hour": 4, "minute": 59}
